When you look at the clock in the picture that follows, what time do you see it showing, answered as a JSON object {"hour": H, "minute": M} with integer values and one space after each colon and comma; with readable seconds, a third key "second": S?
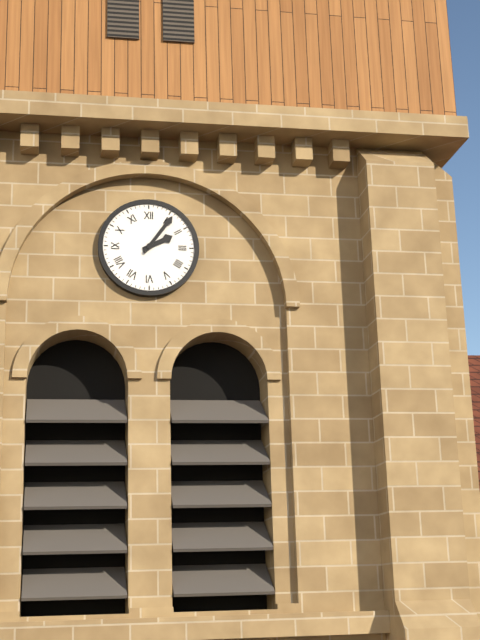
{"hour": 2, "minute": 6}
